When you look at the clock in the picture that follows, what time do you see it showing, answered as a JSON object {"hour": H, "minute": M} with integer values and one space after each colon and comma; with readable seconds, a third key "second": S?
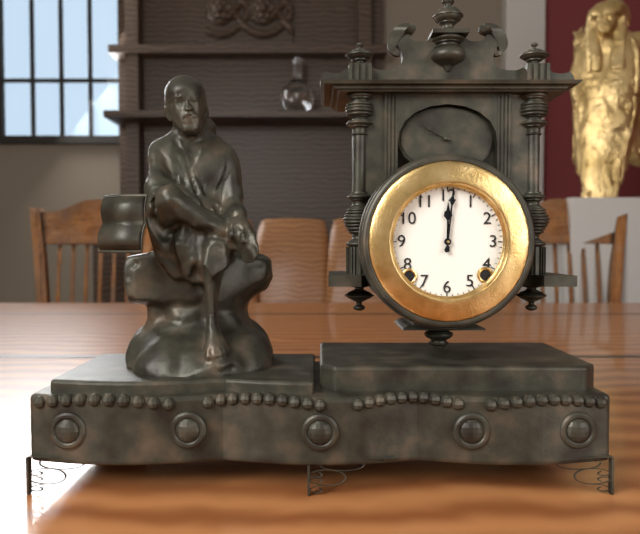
{"hour": 12, "minute": 1}
